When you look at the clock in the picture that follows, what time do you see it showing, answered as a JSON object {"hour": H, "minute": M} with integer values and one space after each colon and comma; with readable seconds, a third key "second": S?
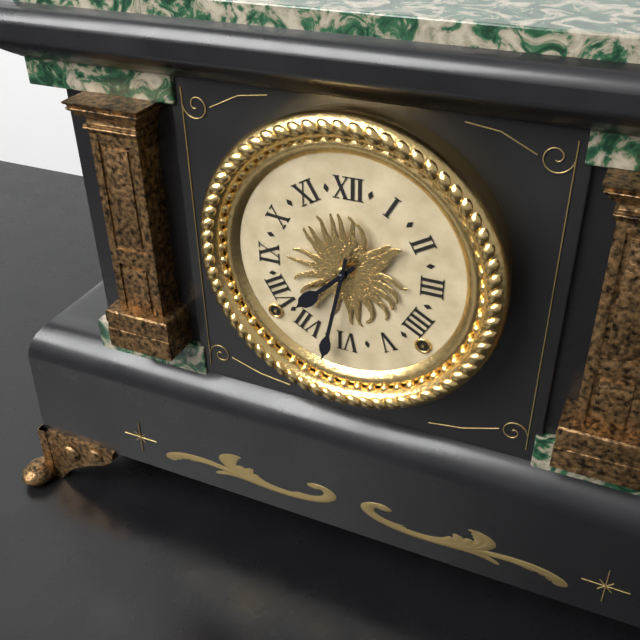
{"hour": 7, "minute": 32}
